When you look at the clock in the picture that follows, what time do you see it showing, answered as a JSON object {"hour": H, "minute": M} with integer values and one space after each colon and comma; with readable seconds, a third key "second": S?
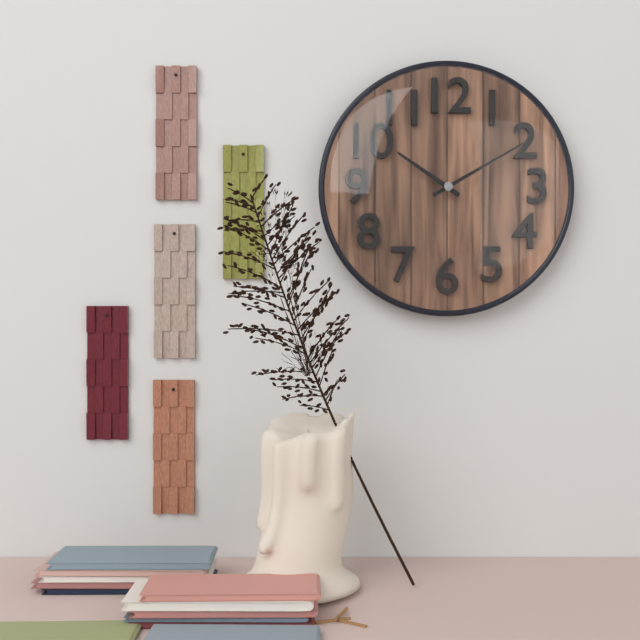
{"hour": 10, "minute": 10}
